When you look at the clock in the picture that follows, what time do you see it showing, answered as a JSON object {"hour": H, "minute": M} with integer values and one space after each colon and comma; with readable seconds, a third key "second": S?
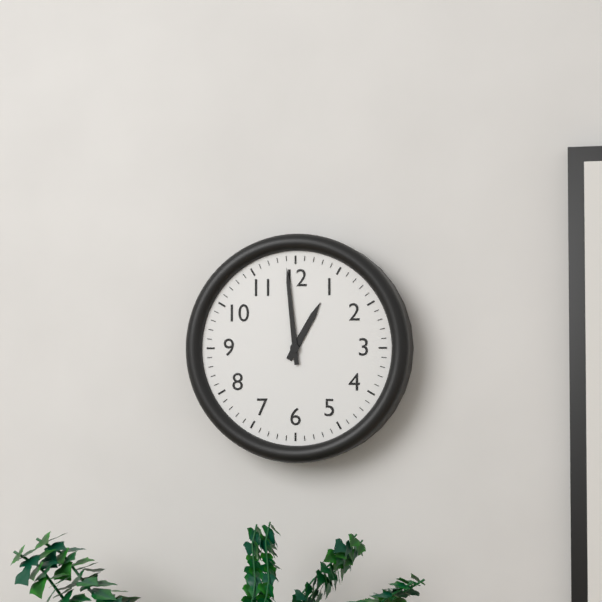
{"hour": 12, "minute": 59}
